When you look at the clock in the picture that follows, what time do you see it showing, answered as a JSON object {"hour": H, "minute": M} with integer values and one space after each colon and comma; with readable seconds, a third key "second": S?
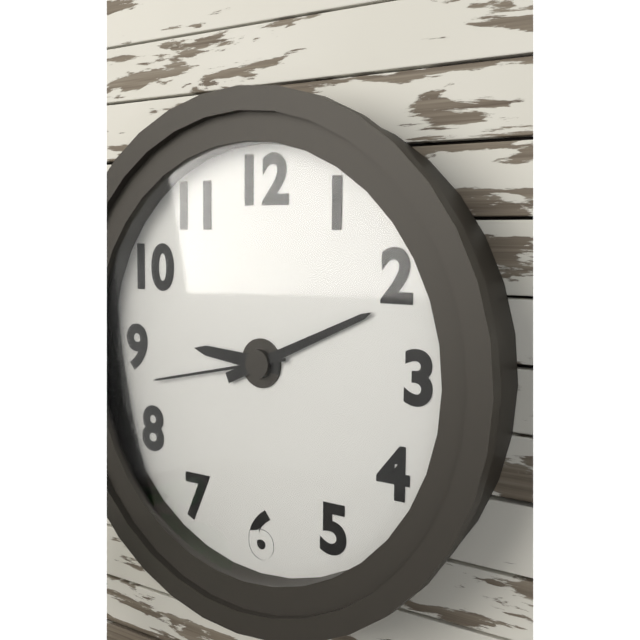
{"hour": 9, "minute": 11, "second": 43}
